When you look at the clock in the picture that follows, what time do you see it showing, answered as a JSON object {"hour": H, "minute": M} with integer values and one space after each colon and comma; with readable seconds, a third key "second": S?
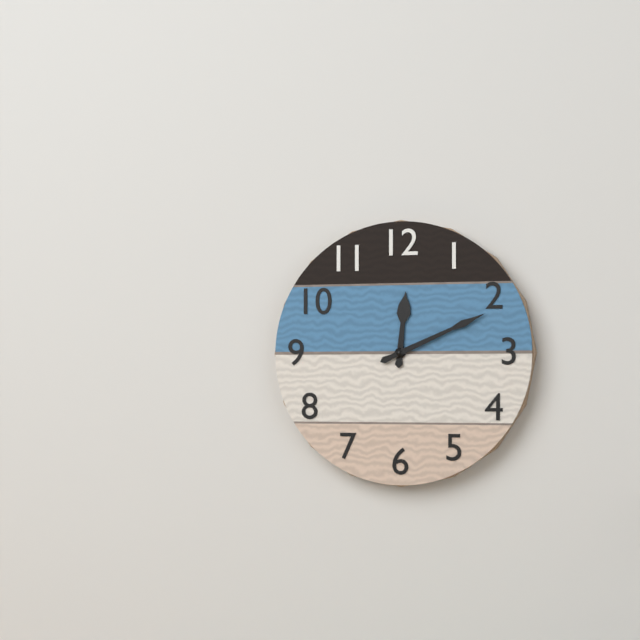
{"hour": 12, "minute": 11}
